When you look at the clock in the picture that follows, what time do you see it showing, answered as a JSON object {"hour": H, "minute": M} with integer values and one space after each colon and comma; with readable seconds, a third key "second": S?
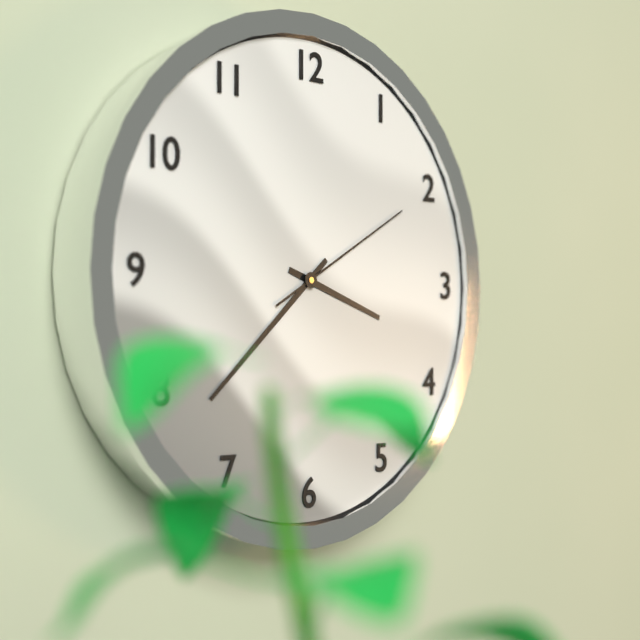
{"hour": 3, "minute": 38, "second": 10}
